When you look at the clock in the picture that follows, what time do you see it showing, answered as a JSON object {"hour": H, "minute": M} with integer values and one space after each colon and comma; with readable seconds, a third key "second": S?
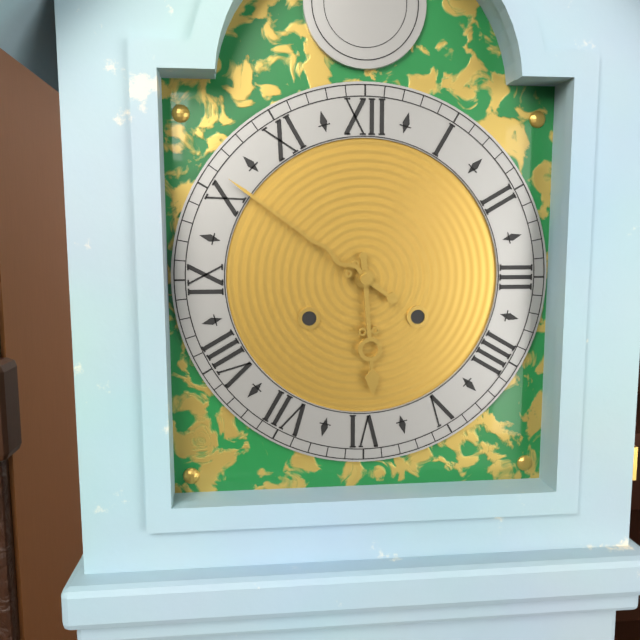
{"hour": 5, "minute": 51}
